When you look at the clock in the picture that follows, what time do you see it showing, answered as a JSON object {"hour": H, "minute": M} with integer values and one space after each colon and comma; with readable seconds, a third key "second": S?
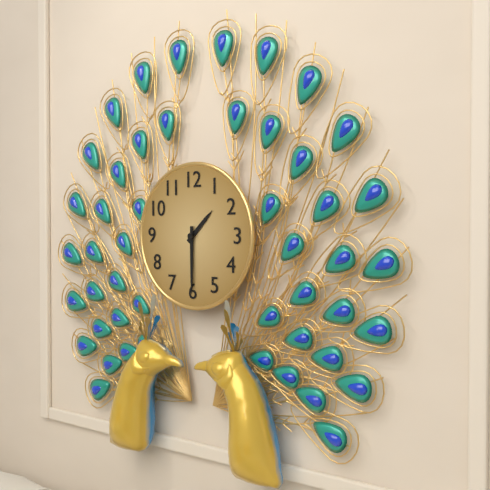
{"hour": 1, "minute": 30}
